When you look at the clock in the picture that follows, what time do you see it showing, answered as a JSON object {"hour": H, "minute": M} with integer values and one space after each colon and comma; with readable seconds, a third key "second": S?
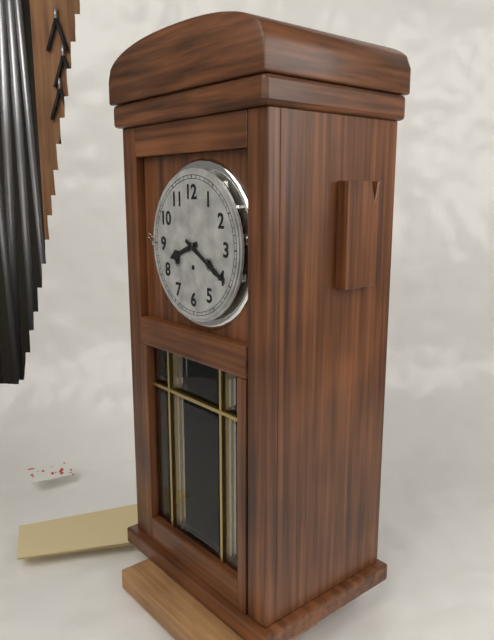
{"hour": 8, "minute": 20}
